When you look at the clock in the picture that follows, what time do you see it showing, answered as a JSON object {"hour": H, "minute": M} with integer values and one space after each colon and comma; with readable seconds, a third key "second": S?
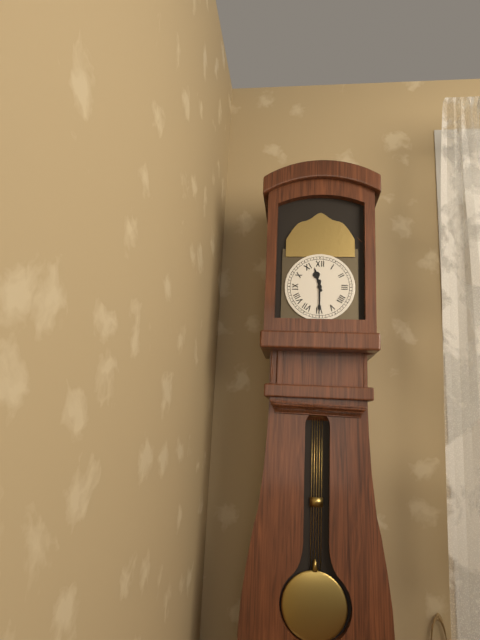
{"hour": 11, "minute": 30}
